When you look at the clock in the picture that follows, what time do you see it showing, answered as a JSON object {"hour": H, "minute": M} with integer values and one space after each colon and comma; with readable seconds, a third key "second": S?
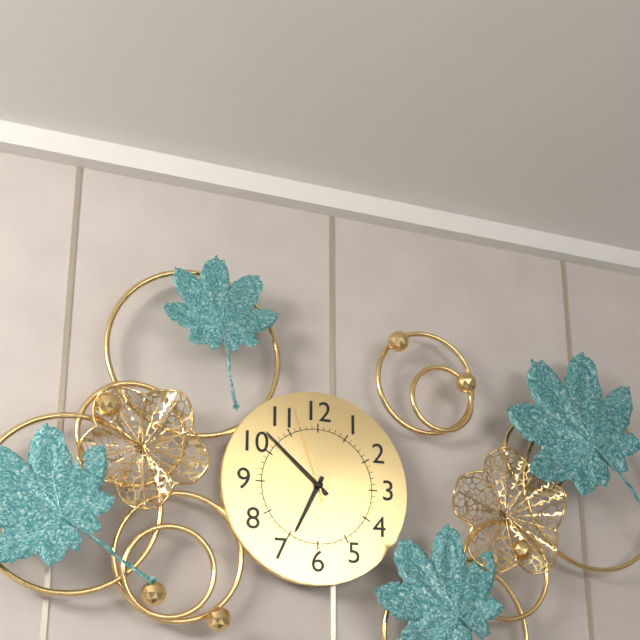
{"hour": 6, "minute": 52, "second": 57}
